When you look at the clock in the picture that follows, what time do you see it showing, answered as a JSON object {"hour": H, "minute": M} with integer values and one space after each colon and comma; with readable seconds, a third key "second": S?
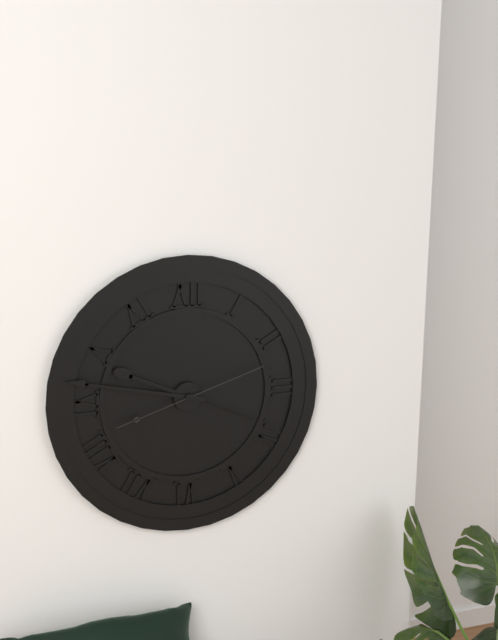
{"hour": 9, "minute": 47, "second": 12}
